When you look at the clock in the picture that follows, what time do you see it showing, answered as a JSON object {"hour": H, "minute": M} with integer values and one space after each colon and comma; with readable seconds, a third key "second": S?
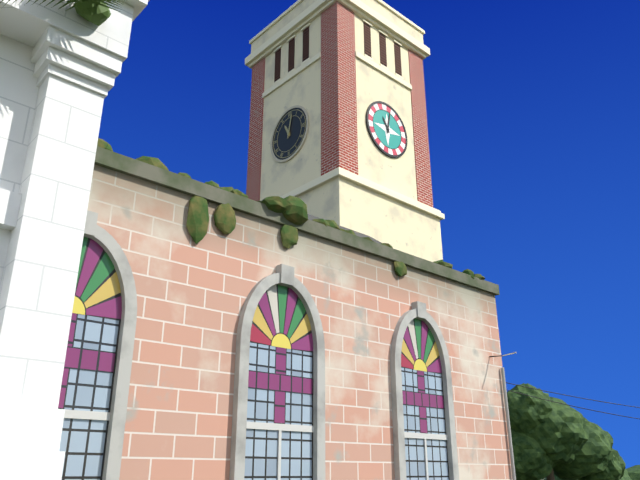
{"hour": 11, "minute": 2}
